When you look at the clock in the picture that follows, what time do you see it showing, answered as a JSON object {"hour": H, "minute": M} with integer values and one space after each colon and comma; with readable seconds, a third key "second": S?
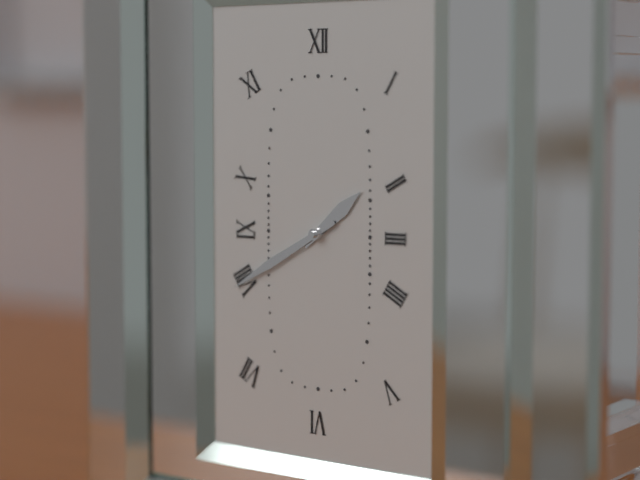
{"hour": 1, "minute": 40}
